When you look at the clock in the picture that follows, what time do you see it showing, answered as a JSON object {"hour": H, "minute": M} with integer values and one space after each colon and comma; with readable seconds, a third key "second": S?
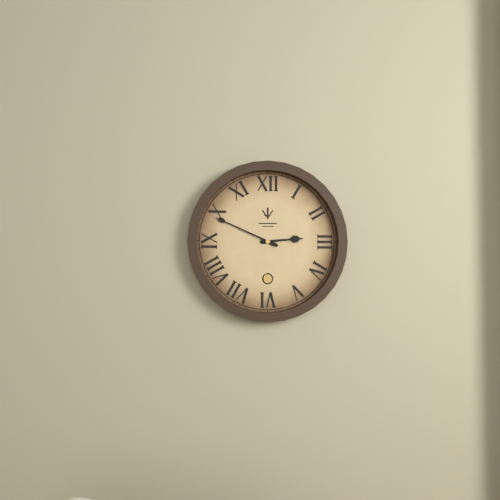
{"hour": 2, "minute": 49}
